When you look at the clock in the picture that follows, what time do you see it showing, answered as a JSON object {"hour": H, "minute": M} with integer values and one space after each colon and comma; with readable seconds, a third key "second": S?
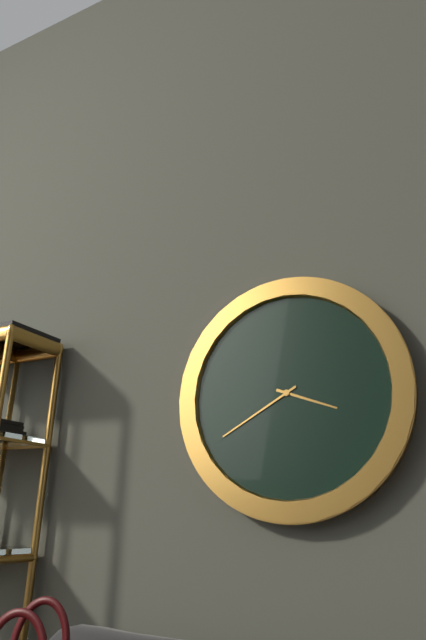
{"hour": 3, "minute": 40}
